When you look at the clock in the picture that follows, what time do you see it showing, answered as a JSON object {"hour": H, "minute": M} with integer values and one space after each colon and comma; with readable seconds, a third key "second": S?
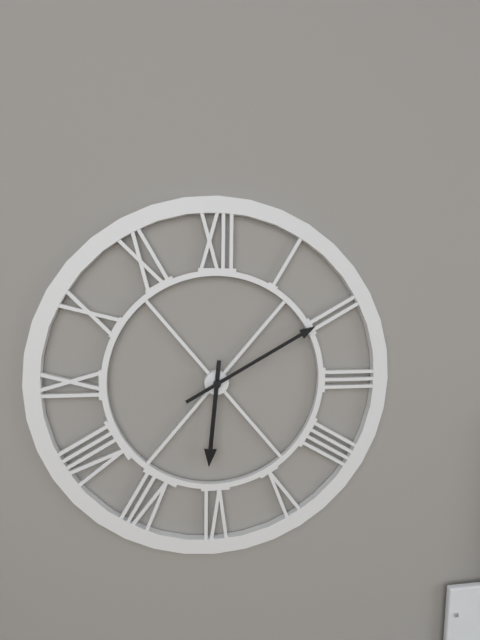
{"hour": 6, "minute": 10}
